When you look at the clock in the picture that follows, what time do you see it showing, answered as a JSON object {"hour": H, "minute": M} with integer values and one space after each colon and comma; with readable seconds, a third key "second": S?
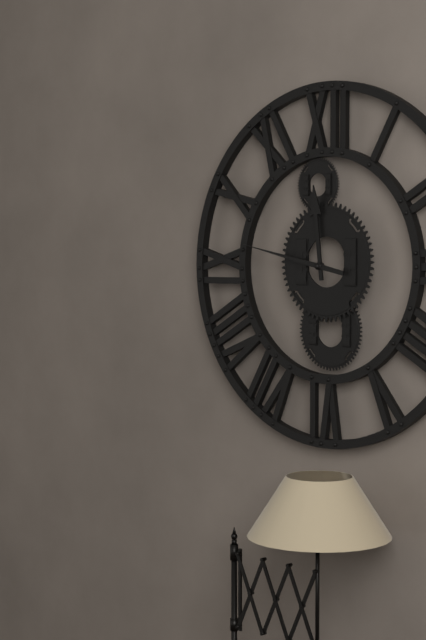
{"hour": 11, "minute": 47}
